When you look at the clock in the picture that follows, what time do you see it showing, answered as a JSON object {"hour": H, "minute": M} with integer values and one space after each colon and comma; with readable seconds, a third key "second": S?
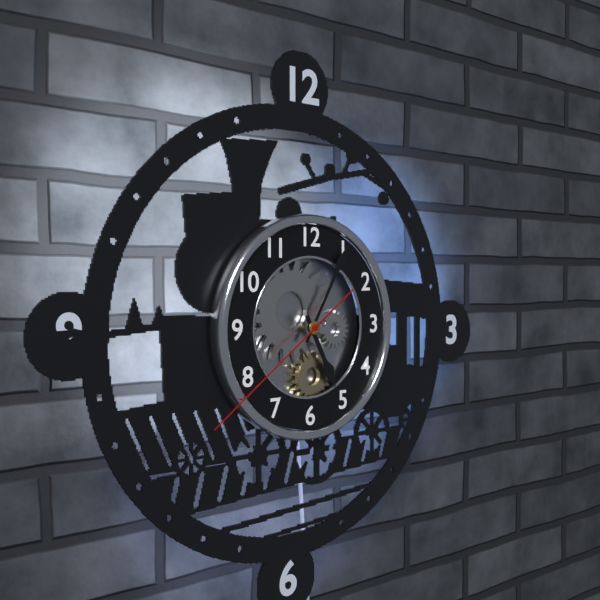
{"hour": 5, "minute": 5, "second": 39}
